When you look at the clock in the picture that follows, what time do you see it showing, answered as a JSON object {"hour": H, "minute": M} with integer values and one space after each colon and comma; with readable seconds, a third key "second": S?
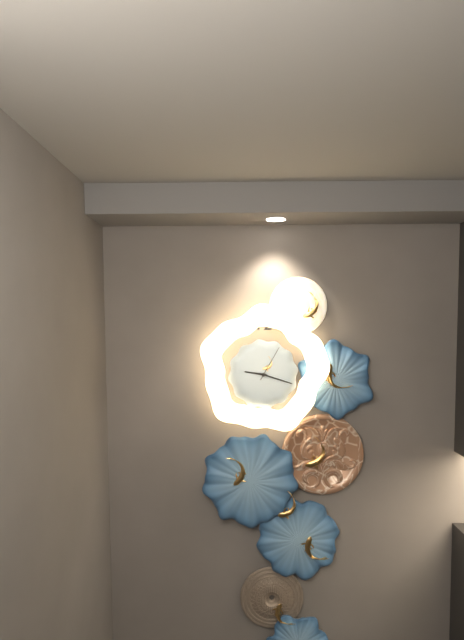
{"hour": 9, "minute": 18}
